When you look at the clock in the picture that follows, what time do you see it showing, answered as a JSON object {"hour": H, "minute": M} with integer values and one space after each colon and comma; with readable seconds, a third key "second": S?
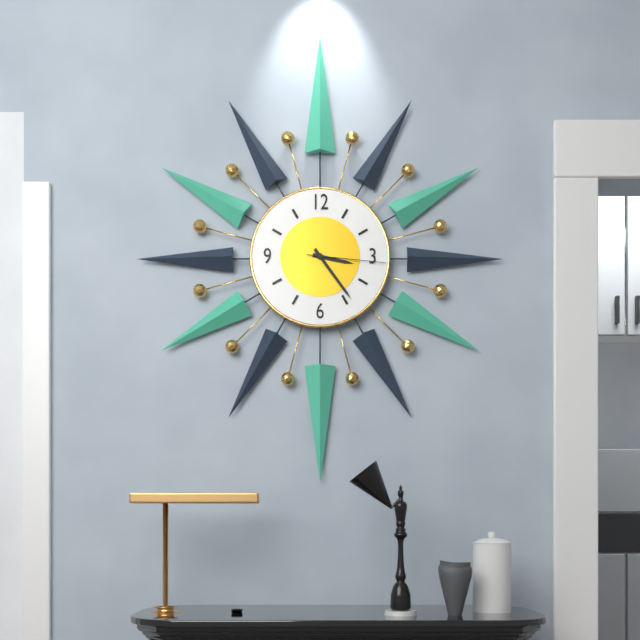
{"hour": 3, "minute": 24, "second": 16}
